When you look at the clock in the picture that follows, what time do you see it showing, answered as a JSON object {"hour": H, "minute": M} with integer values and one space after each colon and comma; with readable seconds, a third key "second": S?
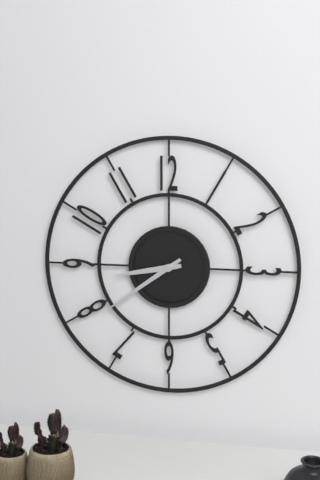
{"hour": 8, "minute": 39}
